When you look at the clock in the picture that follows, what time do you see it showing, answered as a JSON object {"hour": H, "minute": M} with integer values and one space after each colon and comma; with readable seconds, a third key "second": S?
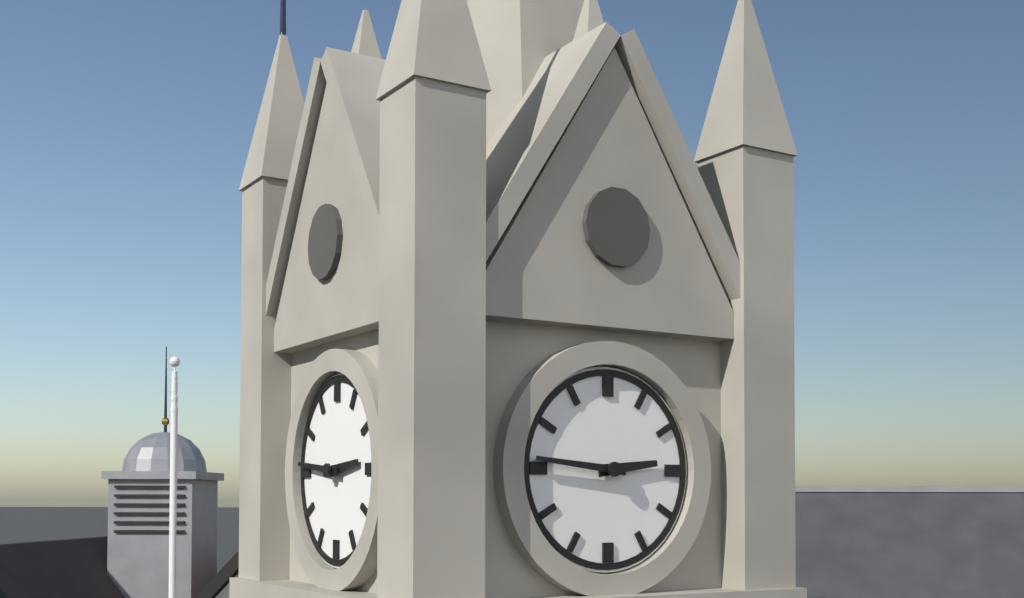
{"hour": 2, "minute": 46}
